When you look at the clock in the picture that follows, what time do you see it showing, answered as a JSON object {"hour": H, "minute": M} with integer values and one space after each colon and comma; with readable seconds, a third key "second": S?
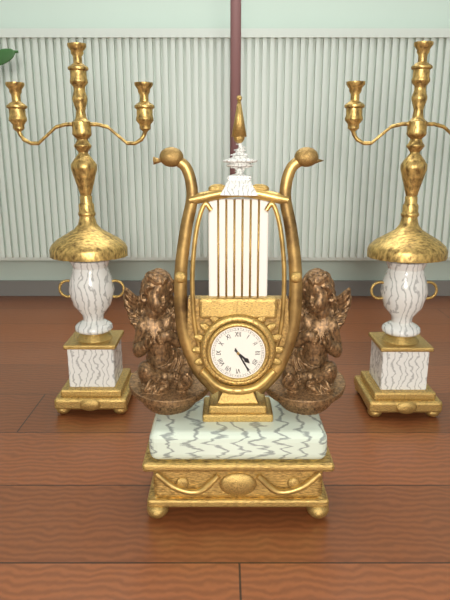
{"hour": 4, "minute": 25}
